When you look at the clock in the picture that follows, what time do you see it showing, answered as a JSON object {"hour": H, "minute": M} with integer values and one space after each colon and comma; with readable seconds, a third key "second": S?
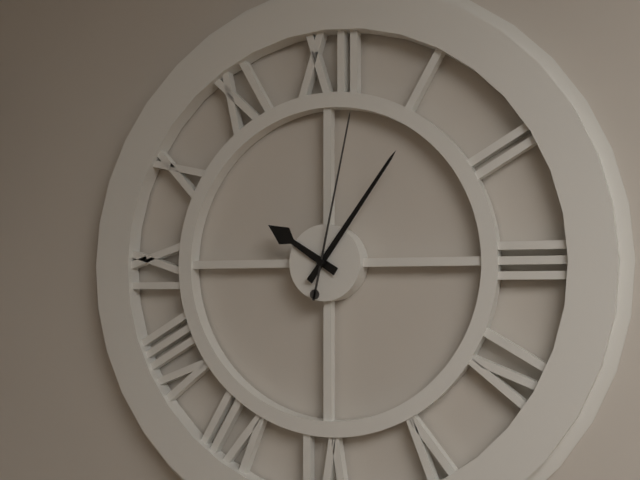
{"hour": 10, "minute": 6, "second": 2}
